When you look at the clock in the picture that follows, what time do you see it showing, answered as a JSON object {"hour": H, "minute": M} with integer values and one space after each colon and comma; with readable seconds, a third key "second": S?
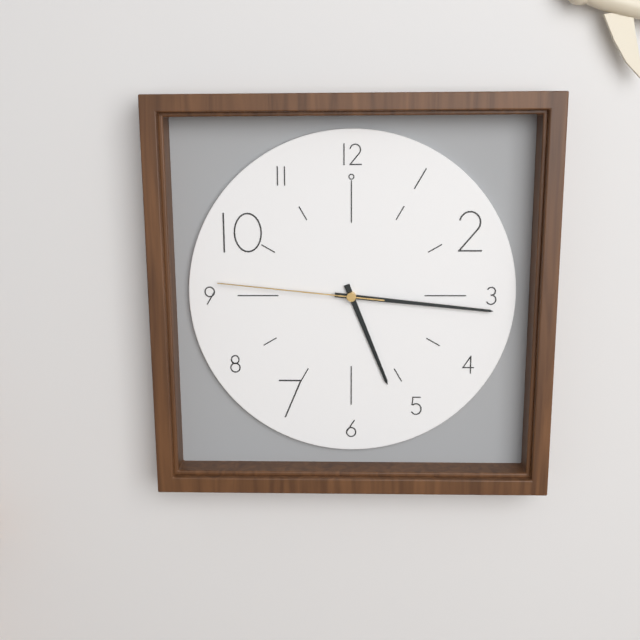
{"hour": 5, "minute": 16, "second": 46}
